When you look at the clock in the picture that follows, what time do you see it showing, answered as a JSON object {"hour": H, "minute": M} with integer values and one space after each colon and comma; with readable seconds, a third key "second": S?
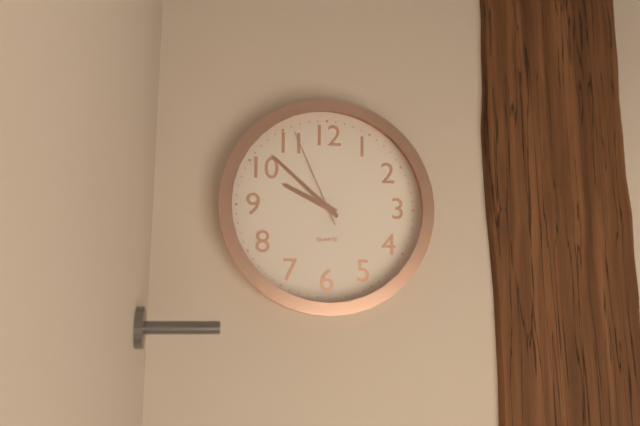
{"hour": 9, "minute": 52, "second": 56}
